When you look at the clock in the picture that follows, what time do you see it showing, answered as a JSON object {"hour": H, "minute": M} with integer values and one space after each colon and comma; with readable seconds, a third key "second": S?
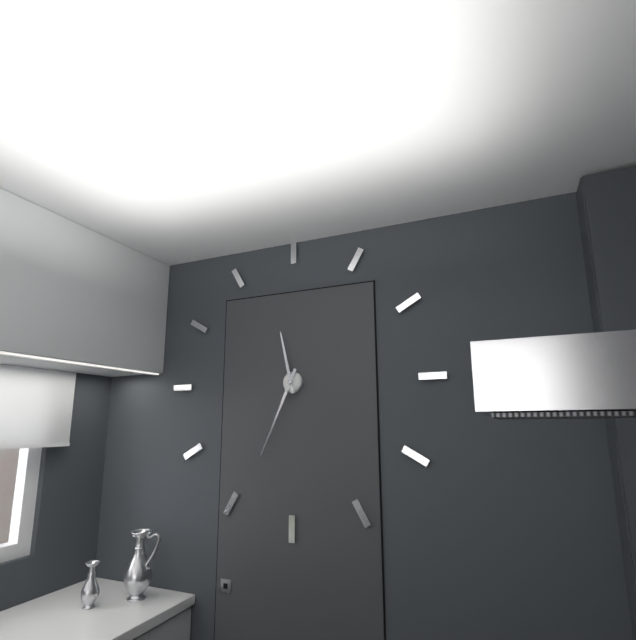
{"hour": 11, "minute": 34}
